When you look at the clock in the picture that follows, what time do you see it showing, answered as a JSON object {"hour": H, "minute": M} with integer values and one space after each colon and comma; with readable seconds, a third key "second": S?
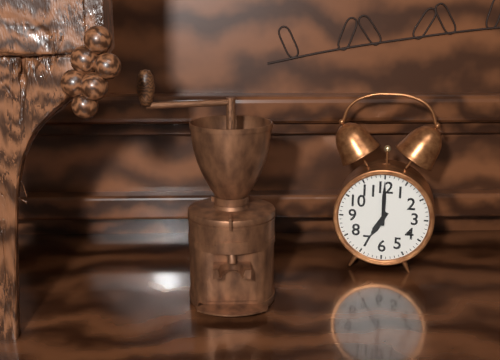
{"hour": 7, "minute": 0}
